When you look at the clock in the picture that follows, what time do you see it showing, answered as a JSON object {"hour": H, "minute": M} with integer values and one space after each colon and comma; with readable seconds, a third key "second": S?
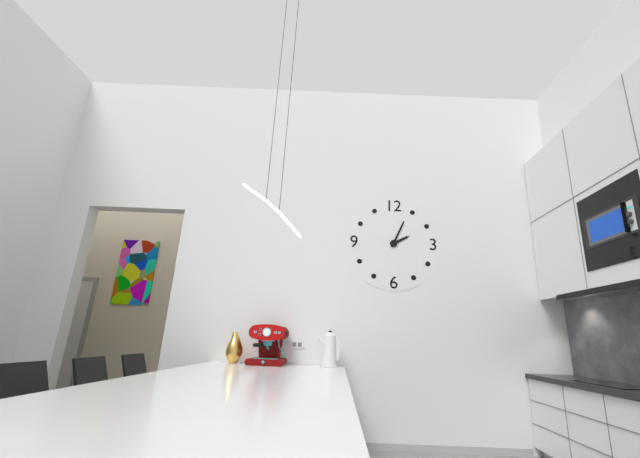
{"hour": 2, "minute": 4}
